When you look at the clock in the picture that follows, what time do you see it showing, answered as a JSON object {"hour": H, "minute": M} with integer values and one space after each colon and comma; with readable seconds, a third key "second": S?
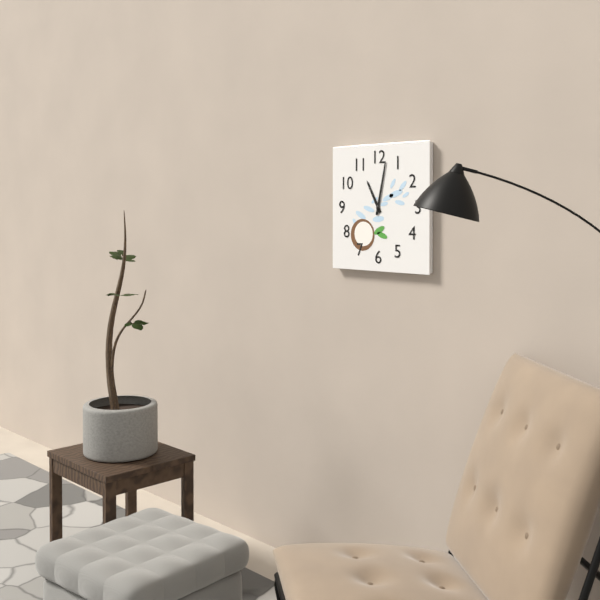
{"hour": 11, "minute": 2}
